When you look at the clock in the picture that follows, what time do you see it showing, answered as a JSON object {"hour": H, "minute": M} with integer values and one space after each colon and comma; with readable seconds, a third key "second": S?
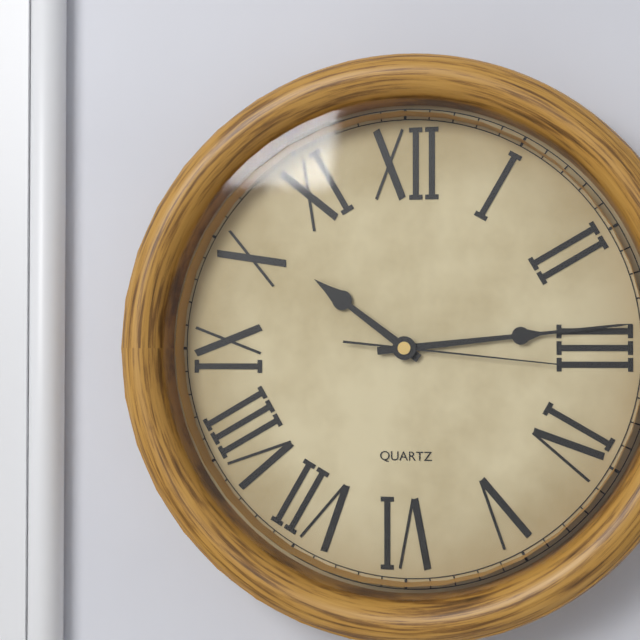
{"hour": 10, "minute": 14, "second": 16}
